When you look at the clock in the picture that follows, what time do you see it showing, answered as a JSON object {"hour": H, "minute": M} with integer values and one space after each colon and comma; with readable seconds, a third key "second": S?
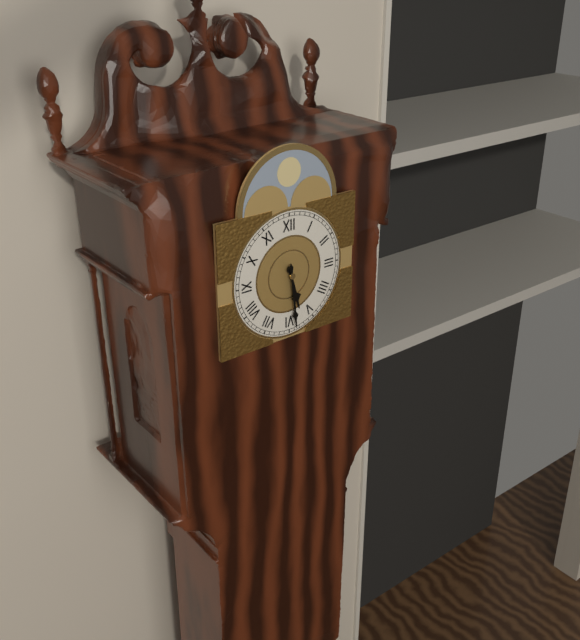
{"hour": 5, "minute": 29}
